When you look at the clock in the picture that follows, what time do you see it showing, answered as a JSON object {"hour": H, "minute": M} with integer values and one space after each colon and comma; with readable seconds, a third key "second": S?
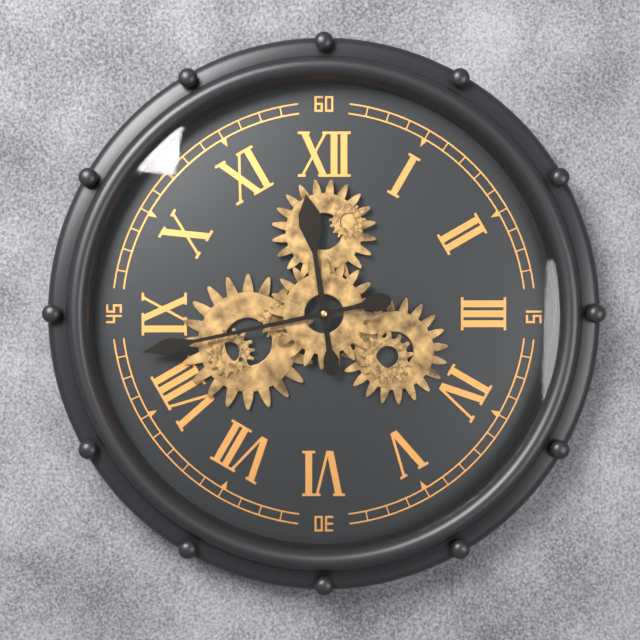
{"hour": 11, "minute": 43}
